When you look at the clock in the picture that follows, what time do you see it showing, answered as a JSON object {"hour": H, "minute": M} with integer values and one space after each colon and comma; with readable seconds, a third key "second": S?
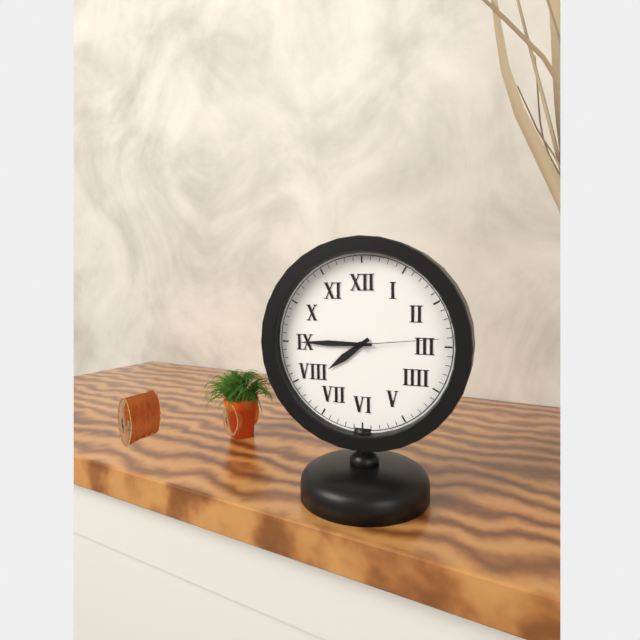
{"hour": 7, "minute": 45, "second": 14}
